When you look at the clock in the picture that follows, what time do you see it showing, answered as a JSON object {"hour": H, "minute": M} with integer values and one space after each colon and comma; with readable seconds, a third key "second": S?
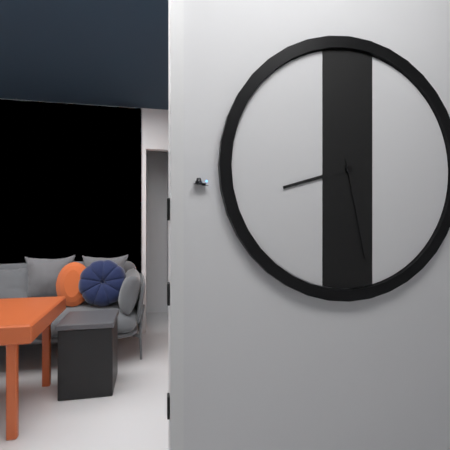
{"hour": 8, "minute": 28}
